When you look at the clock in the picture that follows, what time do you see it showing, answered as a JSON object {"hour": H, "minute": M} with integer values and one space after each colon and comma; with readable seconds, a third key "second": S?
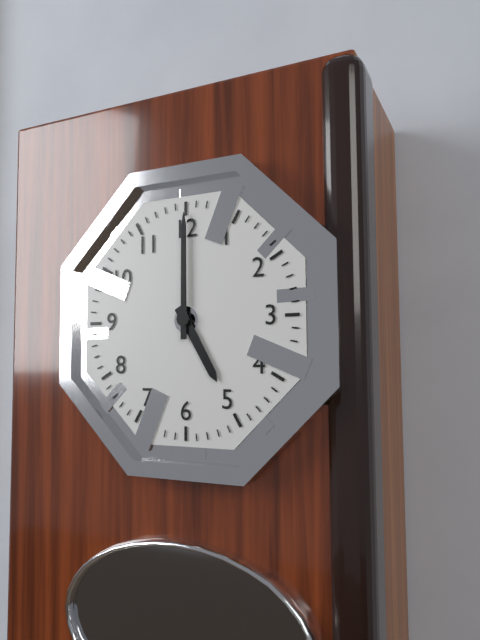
{"hour": 5, "minute": 0}
